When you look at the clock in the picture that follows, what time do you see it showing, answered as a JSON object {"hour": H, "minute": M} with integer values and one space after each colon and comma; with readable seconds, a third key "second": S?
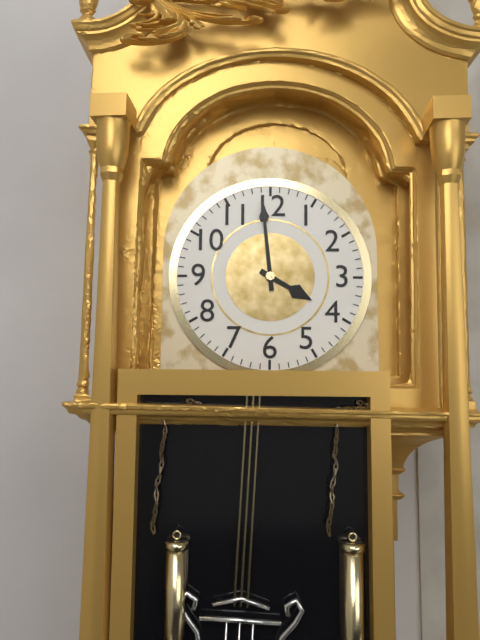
{"hour": 3, "minute": 59}
